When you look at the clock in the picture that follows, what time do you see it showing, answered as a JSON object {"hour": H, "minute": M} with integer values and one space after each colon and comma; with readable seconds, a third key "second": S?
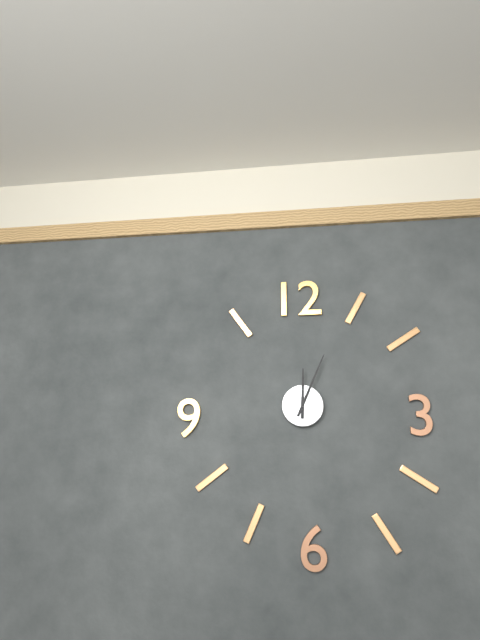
{"hour": 12, "minute": 4}
